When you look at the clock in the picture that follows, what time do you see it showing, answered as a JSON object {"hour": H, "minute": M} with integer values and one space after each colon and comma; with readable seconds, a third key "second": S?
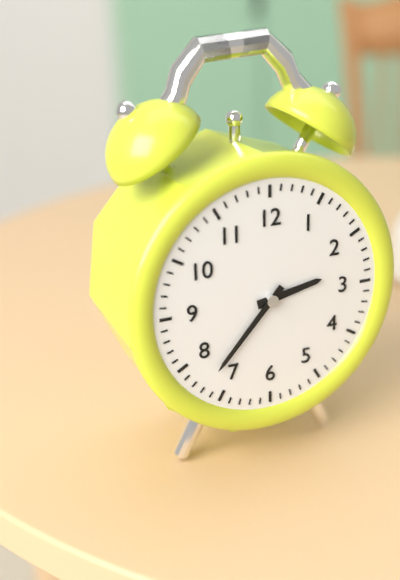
{"hour": 2, "minute": 37}
